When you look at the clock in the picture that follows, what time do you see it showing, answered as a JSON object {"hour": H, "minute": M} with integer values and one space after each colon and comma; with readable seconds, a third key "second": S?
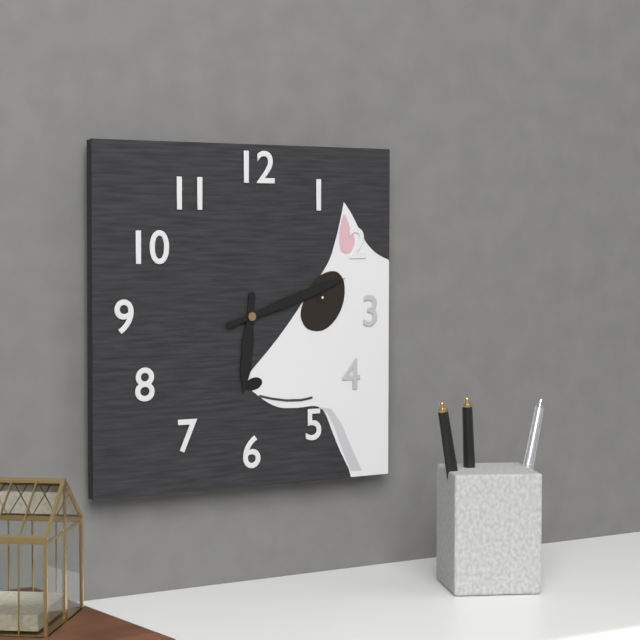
{"hour": 6, "minute": 12}
